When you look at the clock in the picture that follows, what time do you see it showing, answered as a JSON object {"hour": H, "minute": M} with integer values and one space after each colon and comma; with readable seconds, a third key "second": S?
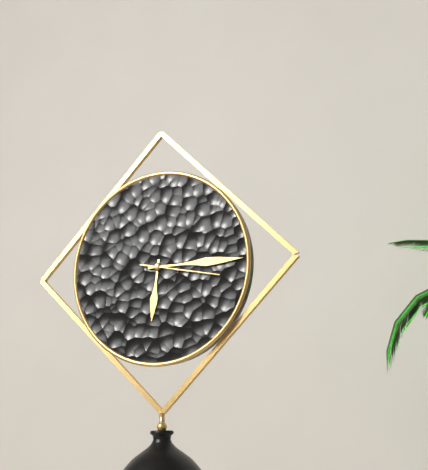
{"hour": 6, "minute": 15, "second": 17}
